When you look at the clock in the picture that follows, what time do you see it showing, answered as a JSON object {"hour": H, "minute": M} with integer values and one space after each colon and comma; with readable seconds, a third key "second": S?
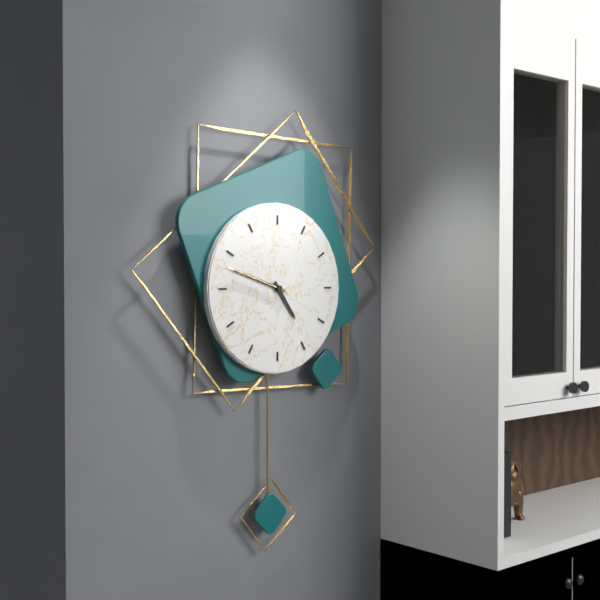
{"hour": 4, "minute": 48, "second": 48}
